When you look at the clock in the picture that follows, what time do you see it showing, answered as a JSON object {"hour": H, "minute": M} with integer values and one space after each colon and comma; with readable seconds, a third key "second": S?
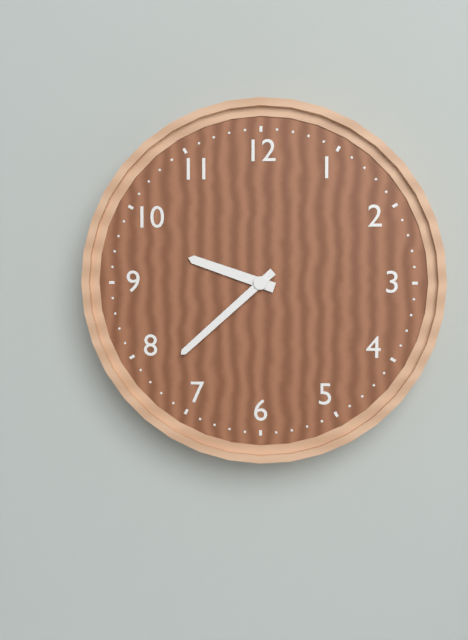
{"hour": 9, "minute": 38}
